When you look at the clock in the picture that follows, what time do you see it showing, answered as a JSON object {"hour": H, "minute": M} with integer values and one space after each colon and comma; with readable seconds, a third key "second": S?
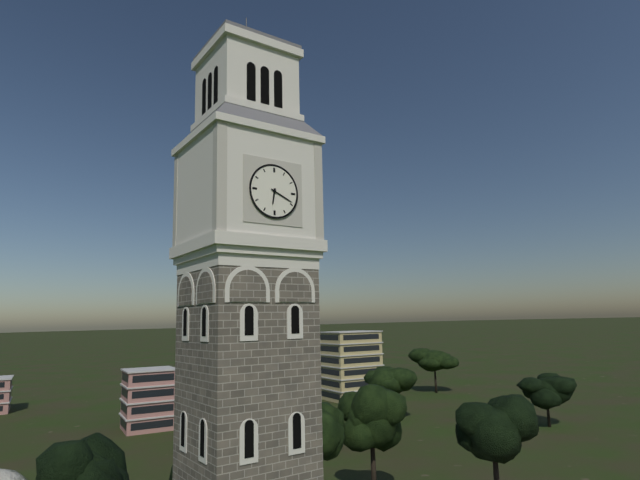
{"hour": 6, "minute": 19}
